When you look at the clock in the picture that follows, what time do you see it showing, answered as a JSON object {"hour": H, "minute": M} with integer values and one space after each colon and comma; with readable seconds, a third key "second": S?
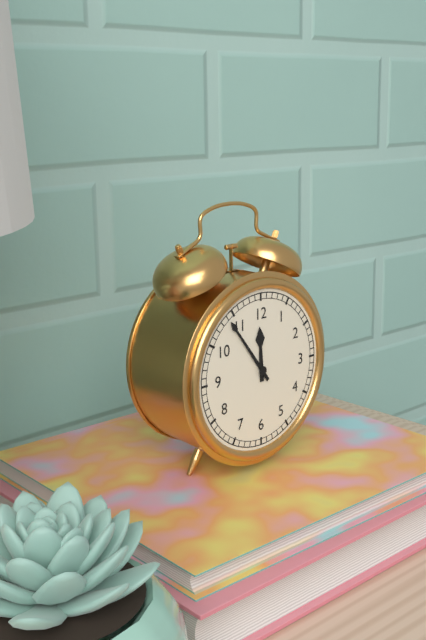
{"hour": 11, "minute": 54}
